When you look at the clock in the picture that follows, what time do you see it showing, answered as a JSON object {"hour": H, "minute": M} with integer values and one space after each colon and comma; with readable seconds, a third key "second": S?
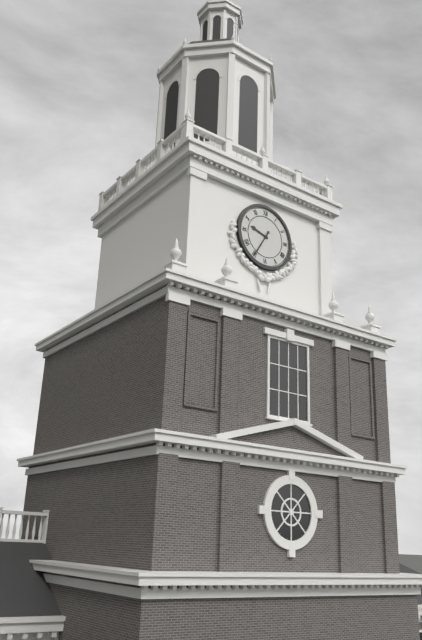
{"hour": 9, "minute": 35}
